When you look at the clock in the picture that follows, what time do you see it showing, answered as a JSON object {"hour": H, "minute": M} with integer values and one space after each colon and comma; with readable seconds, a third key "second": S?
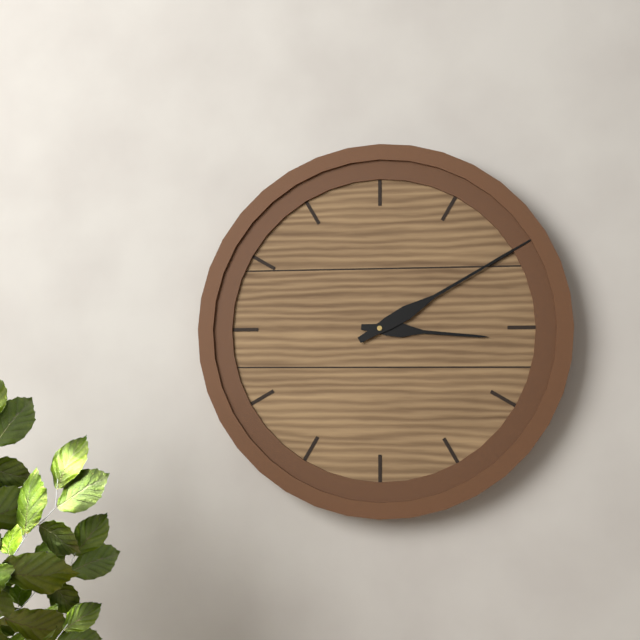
{"hour": 3, "minute": 10}
